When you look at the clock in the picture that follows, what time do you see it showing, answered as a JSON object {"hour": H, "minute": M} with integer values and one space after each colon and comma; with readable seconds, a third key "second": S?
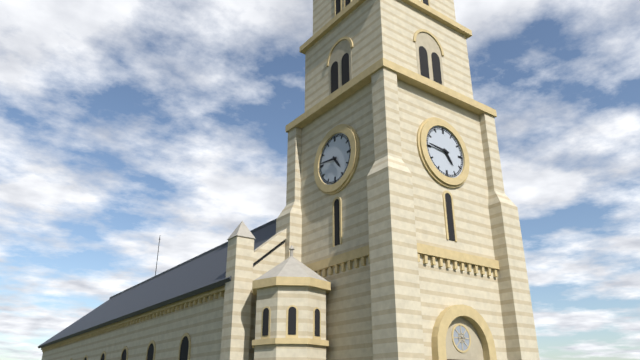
{"hour": 4, "minute": 46}
